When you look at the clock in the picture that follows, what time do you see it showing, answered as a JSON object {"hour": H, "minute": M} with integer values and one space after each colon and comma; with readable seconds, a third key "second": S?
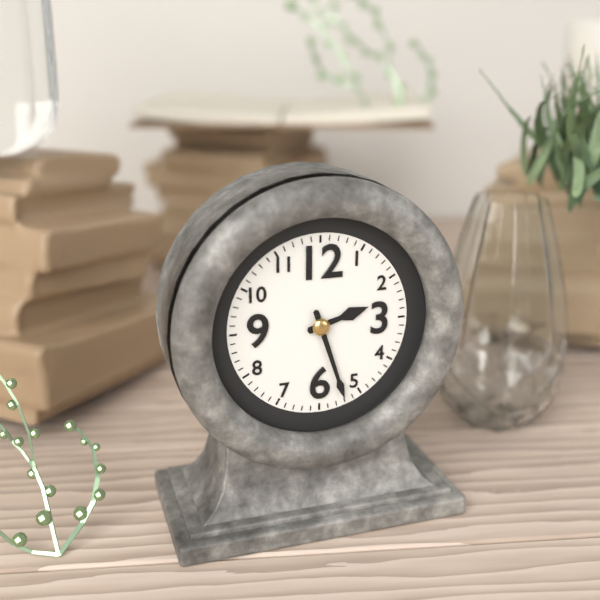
{"hour": 2, "minute": 27}
